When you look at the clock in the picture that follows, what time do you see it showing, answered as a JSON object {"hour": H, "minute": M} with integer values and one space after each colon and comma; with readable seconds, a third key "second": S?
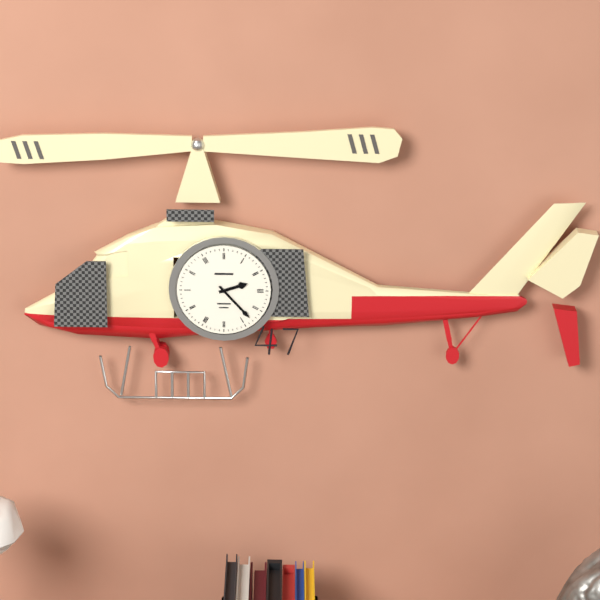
{"hour": 2, "minute": 23}
